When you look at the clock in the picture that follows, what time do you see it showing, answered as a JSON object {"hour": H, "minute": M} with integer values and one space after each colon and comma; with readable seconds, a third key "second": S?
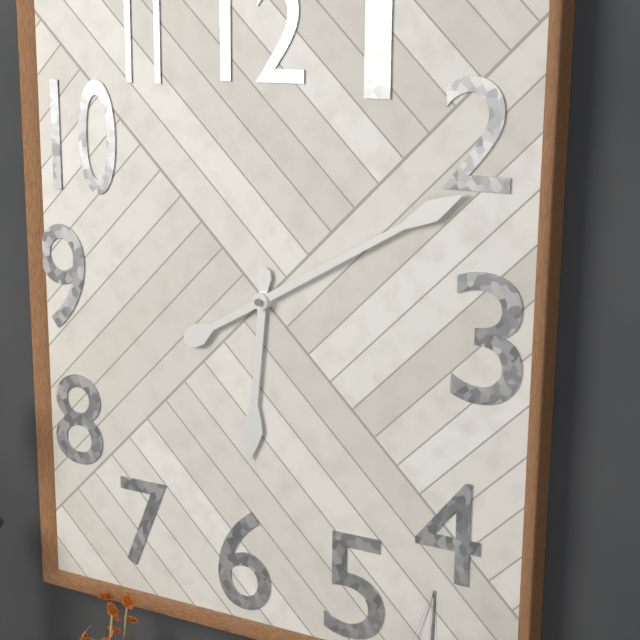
{"hour": 6, "minute": 10}
